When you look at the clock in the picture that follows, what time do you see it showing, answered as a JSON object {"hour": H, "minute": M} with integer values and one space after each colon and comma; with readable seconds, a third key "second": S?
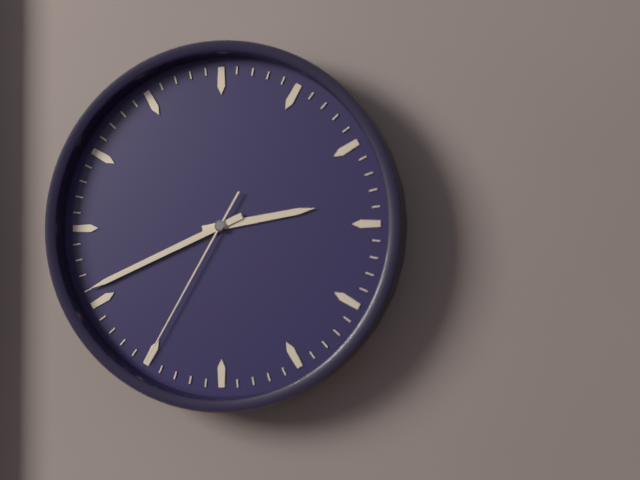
{"hour": 2, "minute": 41, "second": 35}
